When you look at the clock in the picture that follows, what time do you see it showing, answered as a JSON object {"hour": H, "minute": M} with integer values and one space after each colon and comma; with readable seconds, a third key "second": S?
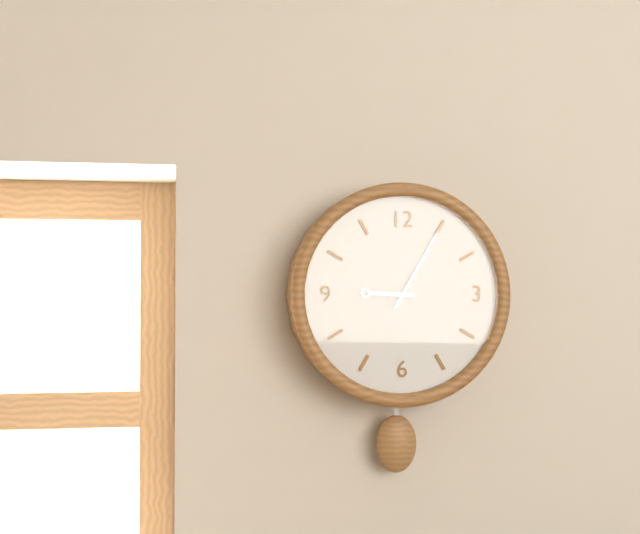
{"hour": 9, "minute": 5}
